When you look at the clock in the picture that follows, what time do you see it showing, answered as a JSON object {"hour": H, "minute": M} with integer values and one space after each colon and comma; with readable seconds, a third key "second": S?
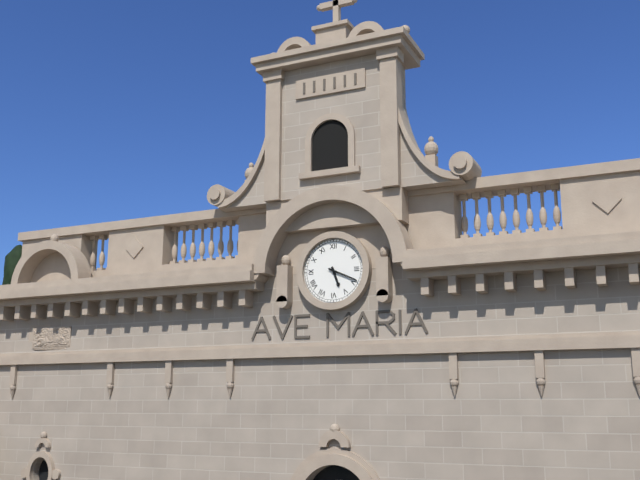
{"hour": 5, "minute": 19}
